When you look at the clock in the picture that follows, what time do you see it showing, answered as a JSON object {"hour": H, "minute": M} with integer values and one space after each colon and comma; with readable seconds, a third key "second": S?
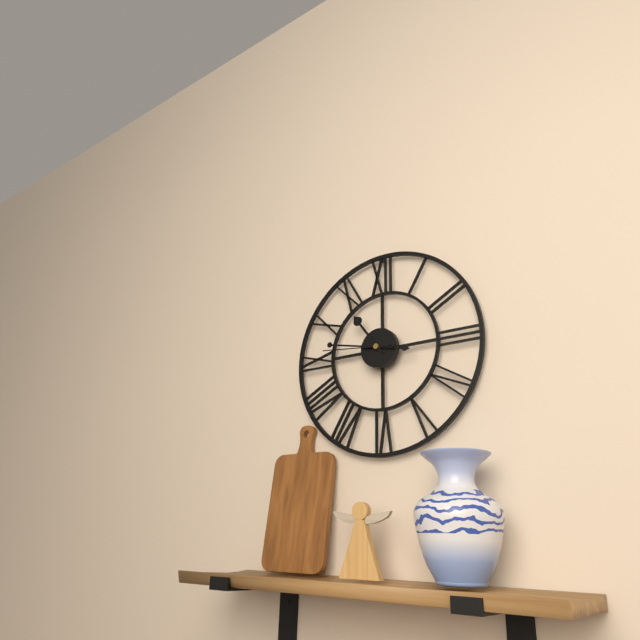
{"hour": 10, "minute": 47, "second": 46}
